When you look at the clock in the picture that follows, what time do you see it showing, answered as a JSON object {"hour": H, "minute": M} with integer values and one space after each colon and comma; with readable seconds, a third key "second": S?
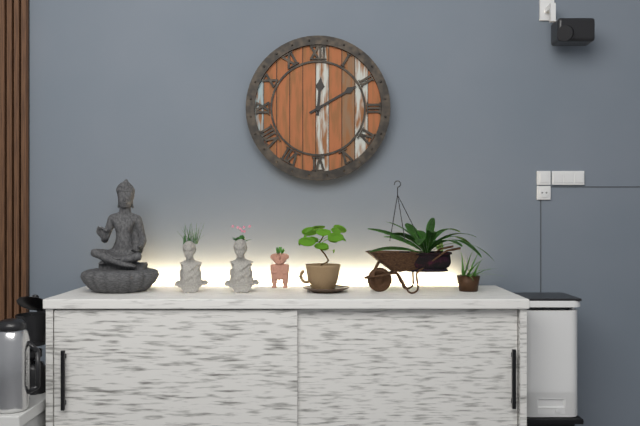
{"hour": 12, "minute": 10}
